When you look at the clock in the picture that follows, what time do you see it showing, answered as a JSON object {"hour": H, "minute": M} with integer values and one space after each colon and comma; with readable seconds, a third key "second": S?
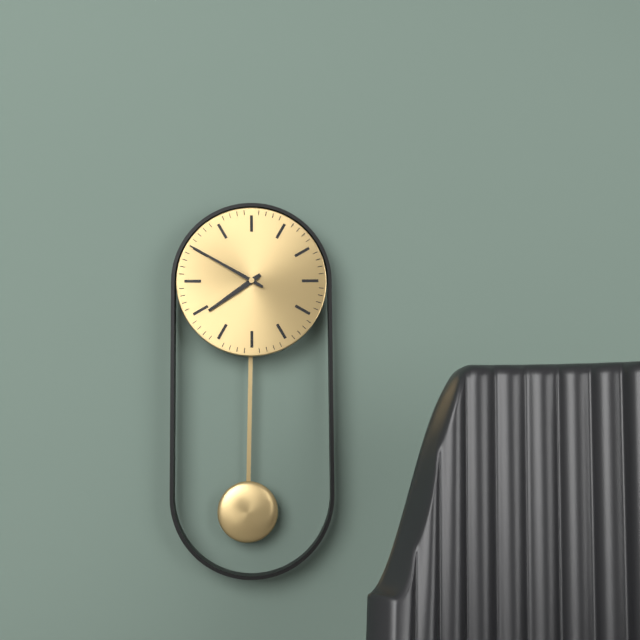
{"hour": 7, "minute": 50}
